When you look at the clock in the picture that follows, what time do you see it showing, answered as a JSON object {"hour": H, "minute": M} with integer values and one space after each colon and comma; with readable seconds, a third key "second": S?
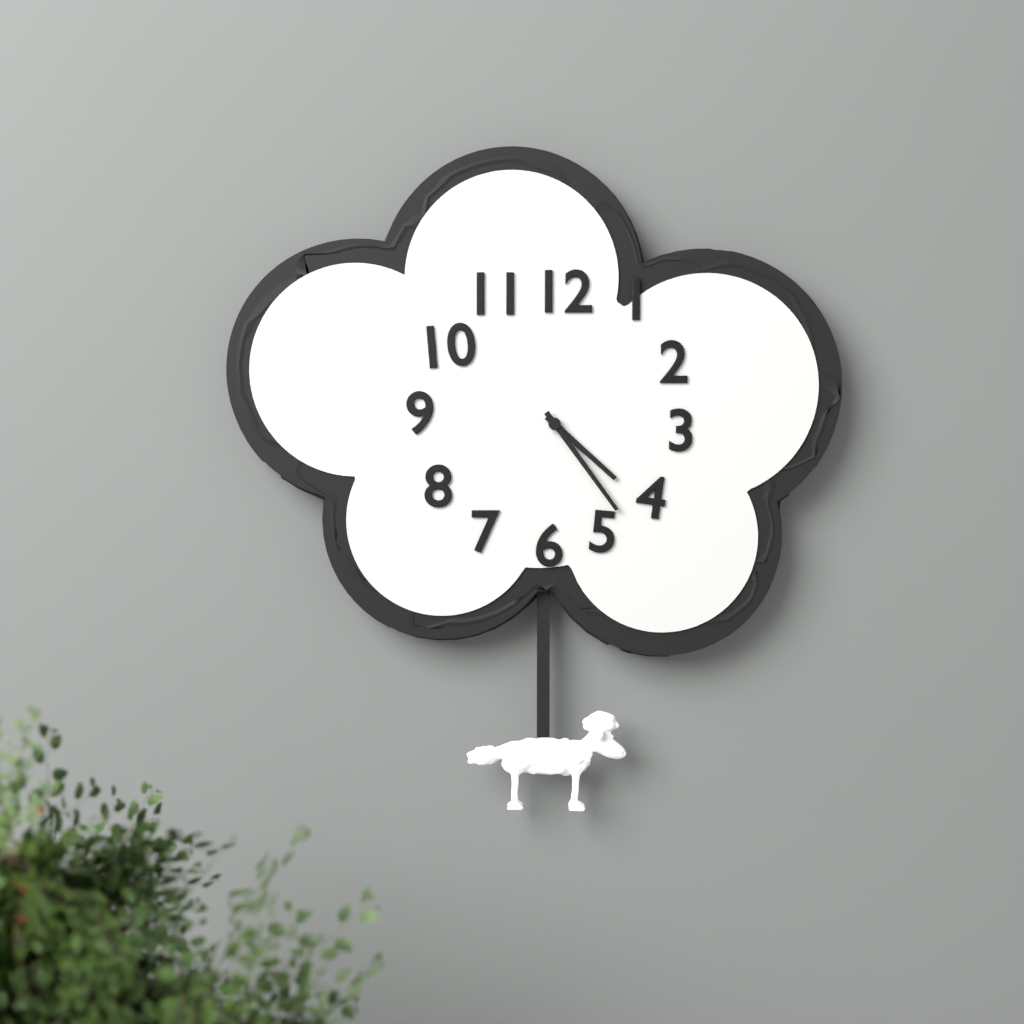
{"hour": 4, "minute": 24}
